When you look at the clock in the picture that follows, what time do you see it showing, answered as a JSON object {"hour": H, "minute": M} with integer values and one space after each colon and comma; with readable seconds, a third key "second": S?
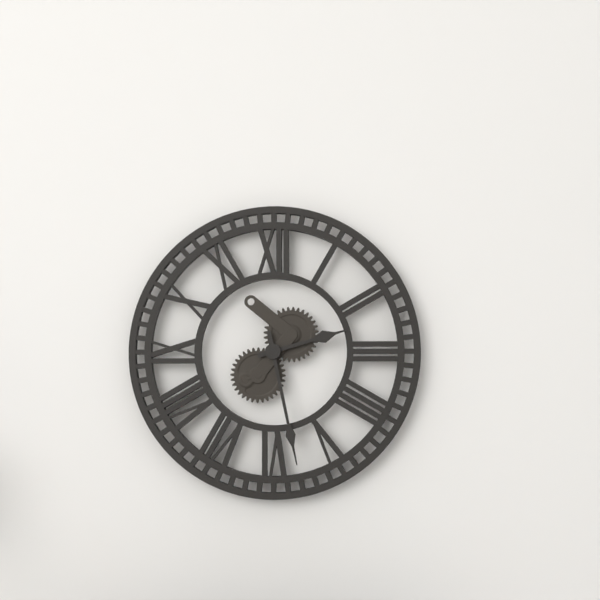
{"hour": 2, "minute": 28}
